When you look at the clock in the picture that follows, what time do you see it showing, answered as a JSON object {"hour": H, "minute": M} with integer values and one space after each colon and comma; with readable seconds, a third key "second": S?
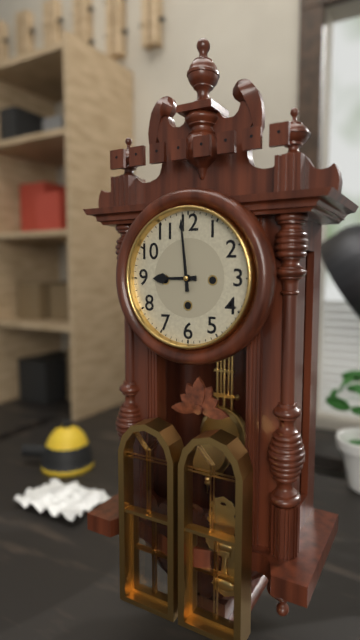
{"hour": 8, "minute": 59}
